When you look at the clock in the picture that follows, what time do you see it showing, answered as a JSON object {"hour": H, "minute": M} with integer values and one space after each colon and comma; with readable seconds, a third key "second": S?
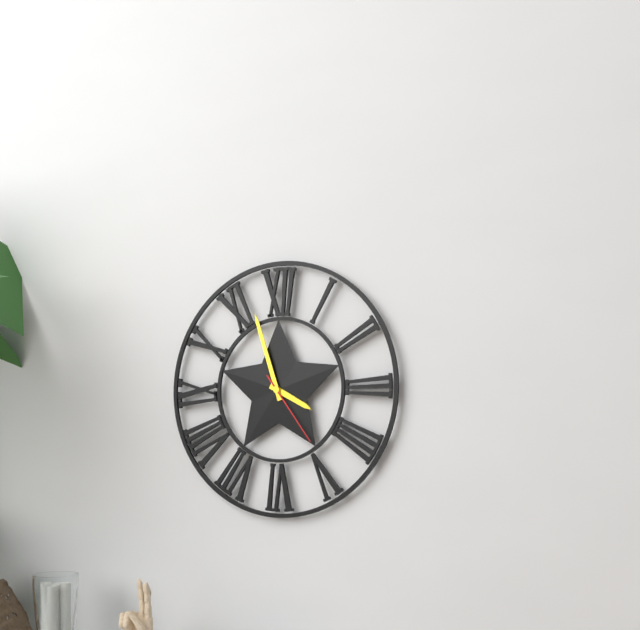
{"hour": 3, "minute": 57, "second": 24}
